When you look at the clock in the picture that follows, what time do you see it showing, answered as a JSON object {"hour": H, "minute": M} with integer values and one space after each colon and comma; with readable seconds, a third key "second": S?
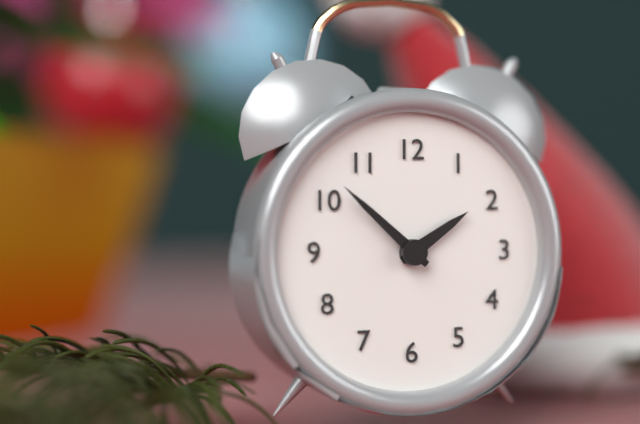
{"hour": 1, "minute": 52}
